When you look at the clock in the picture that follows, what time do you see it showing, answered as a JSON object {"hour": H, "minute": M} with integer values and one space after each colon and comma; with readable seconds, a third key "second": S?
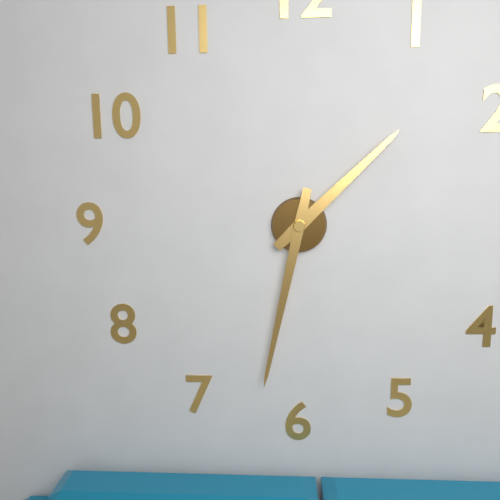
{"hour": 1, "minute": 32}
